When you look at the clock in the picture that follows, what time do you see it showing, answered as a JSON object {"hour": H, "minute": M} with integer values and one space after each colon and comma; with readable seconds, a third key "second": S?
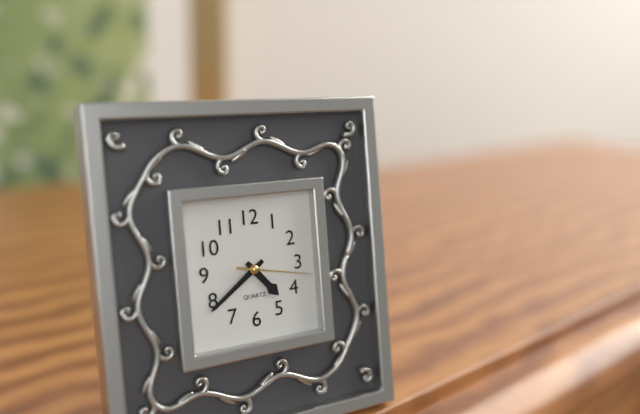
{"hour": 4, "minute": 39, "second": 17}
